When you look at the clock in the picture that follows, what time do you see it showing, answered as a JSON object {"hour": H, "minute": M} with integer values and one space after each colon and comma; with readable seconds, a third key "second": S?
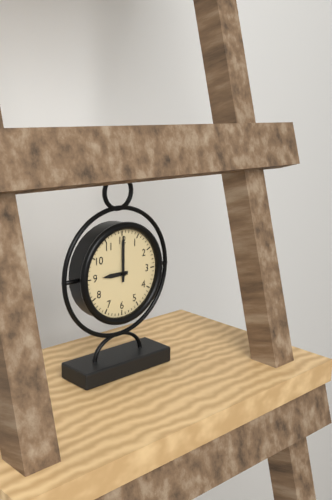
{"hour": 9, "minute": 0}
